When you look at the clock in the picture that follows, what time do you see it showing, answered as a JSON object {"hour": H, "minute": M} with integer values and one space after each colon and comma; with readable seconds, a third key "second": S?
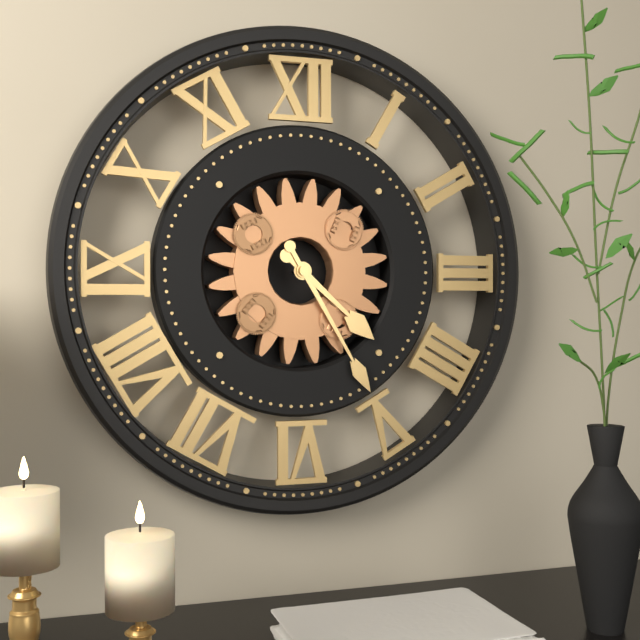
{"hour": 4, "minute": 25}
